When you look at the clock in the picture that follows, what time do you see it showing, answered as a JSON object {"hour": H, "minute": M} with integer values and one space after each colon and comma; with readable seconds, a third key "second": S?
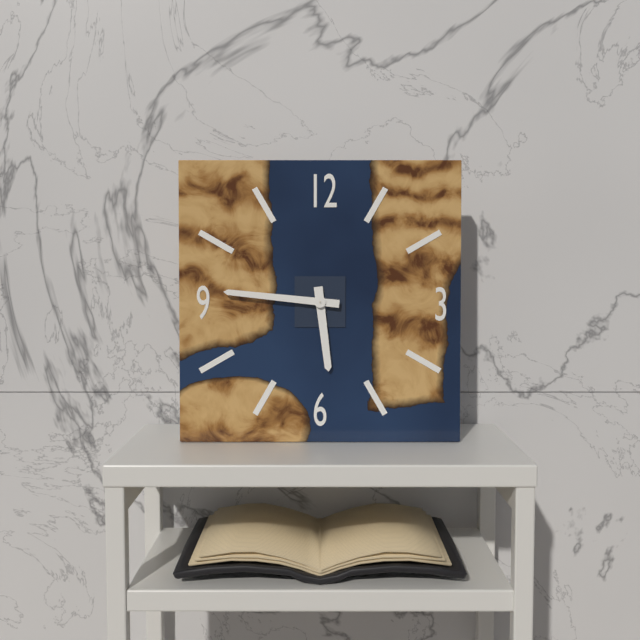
{"hour": 5, "minute": 46}
